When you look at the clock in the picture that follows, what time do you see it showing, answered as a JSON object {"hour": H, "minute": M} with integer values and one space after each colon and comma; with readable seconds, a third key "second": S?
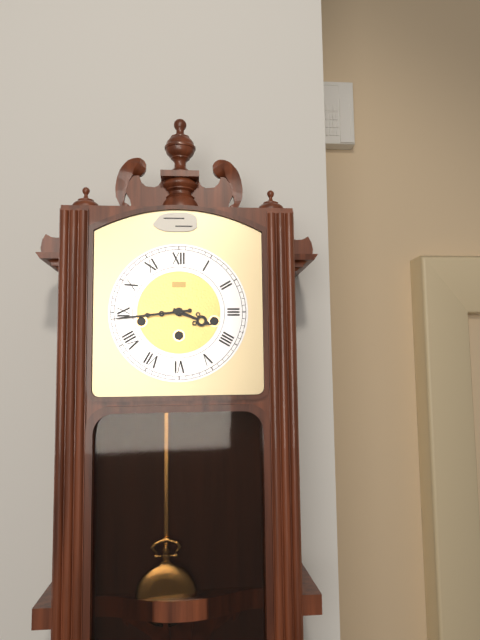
{"hour": 3, "minute": 44}
